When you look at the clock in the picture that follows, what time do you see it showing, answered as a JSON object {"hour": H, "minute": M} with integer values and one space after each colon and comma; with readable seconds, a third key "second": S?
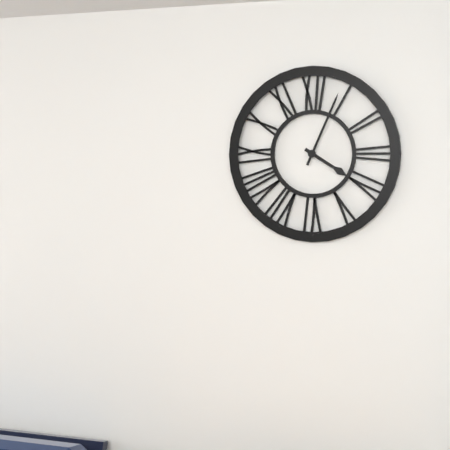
{"hour": 4, "minute": 4}
